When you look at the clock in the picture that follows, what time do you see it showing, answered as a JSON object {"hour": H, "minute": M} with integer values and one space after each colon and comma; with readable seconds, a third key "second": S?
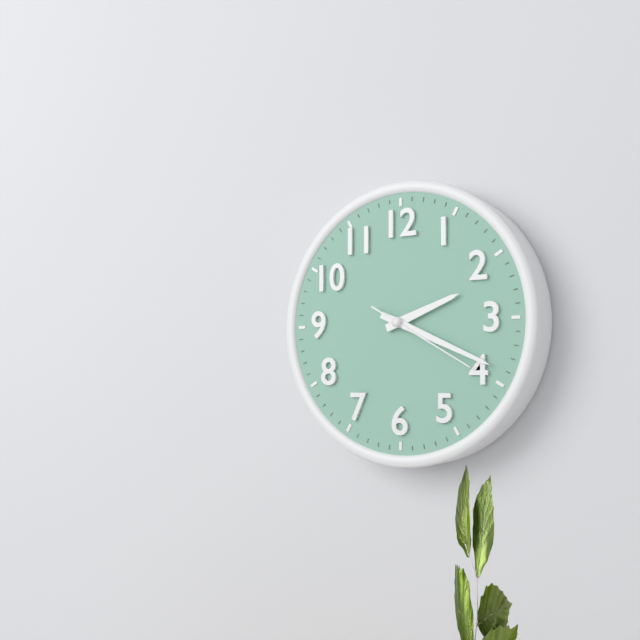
{"hour": 2, "minute": 19, "second": 20}
